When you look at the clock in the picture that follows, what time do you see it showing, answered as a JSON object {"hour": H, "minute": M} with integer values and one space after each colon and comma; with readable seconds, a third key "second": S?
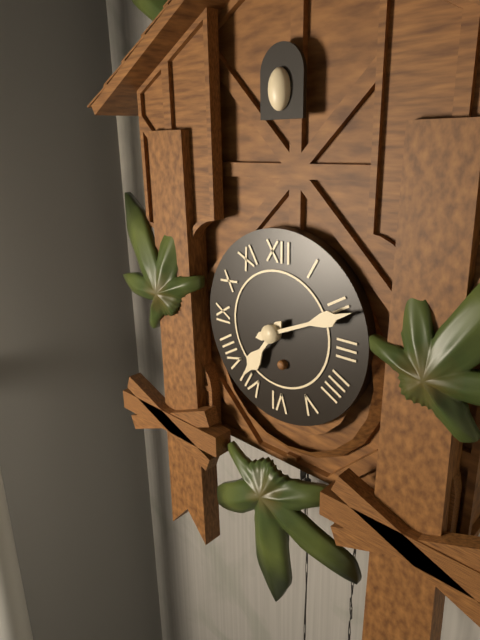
{"hour": 7, "minute": 11}
